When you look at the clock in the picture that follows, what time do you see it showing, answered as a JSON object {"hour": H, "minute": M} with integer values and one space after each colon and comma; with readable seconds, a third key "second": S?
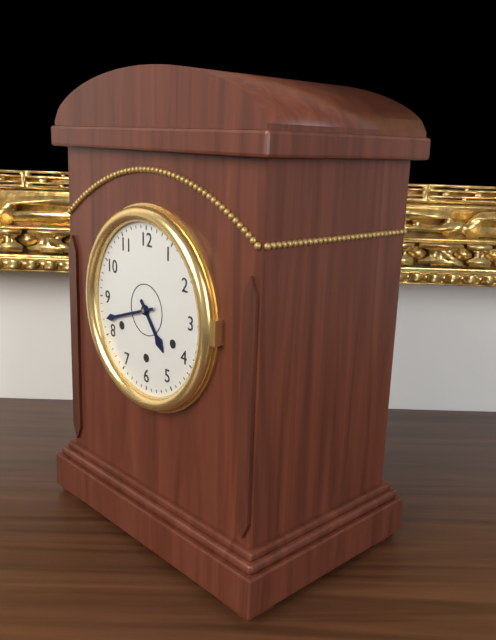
{"hour": 4, "minute": 42}
